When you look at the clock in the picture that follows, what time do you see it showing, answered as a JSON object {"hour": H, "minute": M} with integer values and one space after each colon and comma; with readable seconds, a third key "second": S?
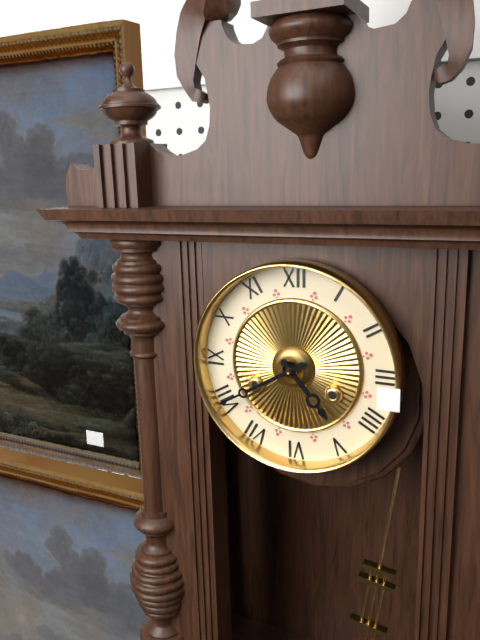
{"hour": 4, "minute": 40}
